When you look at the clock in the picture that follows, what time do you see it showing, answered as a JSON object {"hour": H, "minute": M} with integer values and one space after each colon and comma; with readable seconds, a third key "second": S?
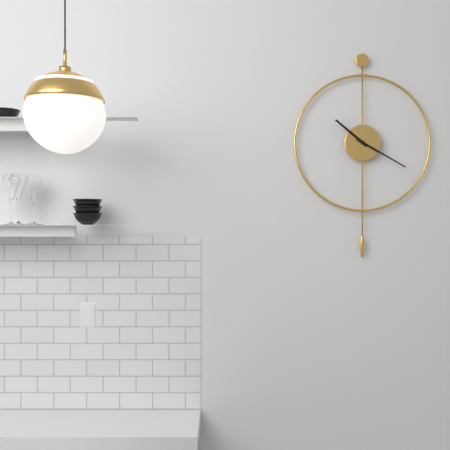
{"hour": 10, "minute": 20}
